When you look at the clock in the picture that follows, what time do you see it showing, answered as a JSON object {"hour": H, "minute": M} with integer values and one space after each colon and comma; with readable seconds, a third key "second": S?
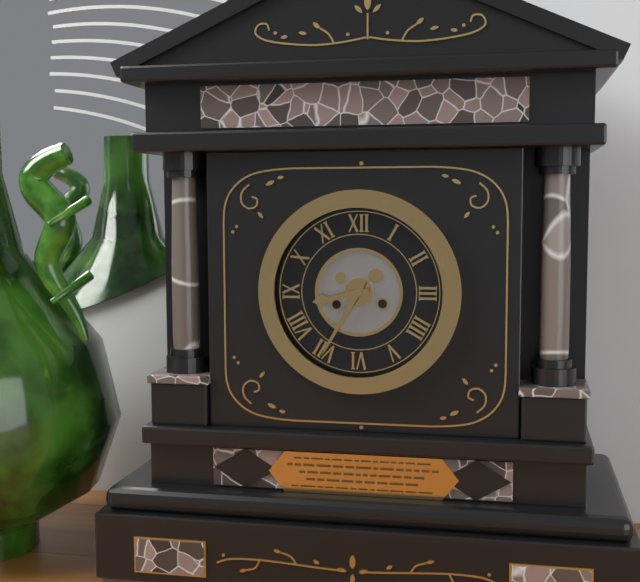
{"hour": 8, "minute": 35}
